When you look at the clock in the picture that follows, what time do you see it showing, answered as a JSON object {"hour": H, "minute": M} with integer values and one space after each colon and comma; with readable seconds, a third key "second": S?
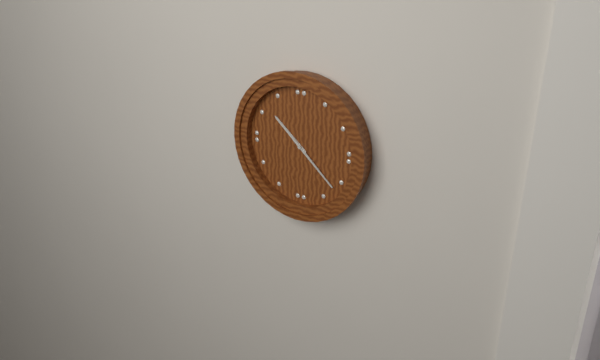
{"hour": 10, "minute": 22}
